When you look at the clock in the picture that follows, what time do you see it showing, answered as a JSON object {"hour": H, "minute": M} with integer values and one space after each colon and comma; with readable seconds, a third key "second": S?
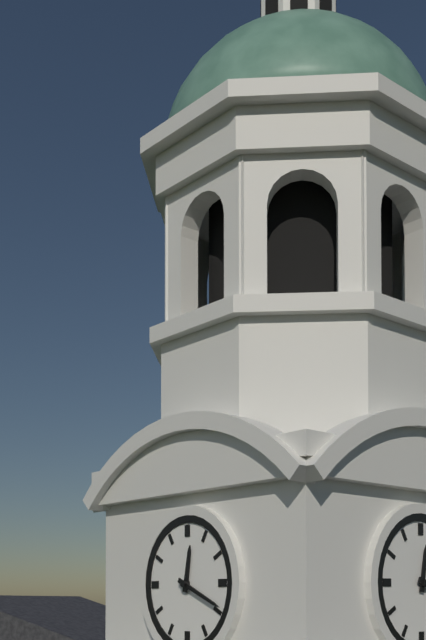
{"hour": 12, "minute": 19}
